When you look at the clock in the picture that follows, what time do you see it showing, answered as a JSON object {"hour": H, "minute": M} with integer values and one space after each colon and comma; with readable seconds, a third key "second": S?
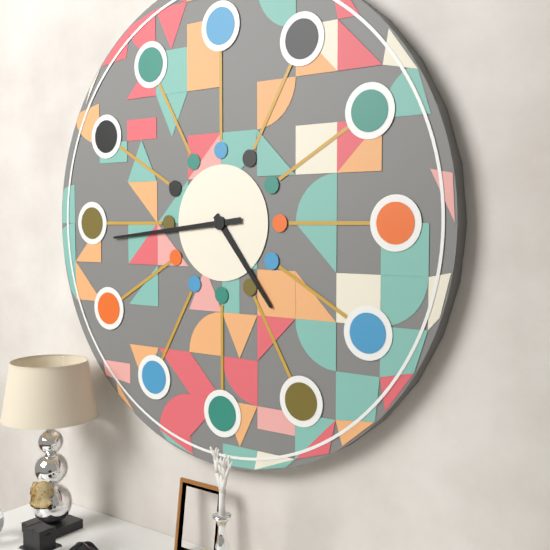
{"hour": 4, "minute": 44}
